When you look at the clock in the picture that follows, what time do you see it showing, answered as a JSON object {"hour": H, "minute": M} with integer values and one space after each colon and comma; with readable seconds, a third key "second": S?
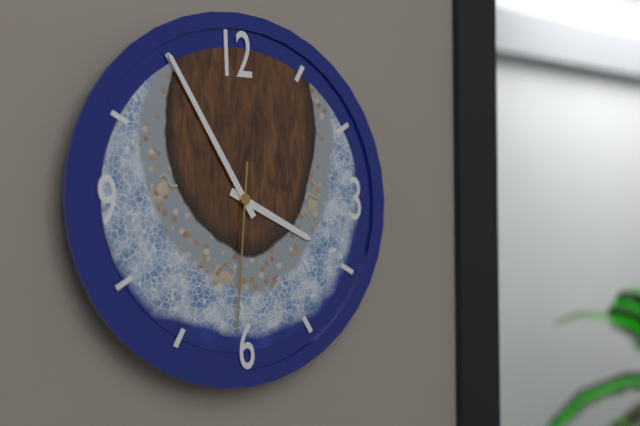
{"hour": 3, "minute": 55, "second": 31}
